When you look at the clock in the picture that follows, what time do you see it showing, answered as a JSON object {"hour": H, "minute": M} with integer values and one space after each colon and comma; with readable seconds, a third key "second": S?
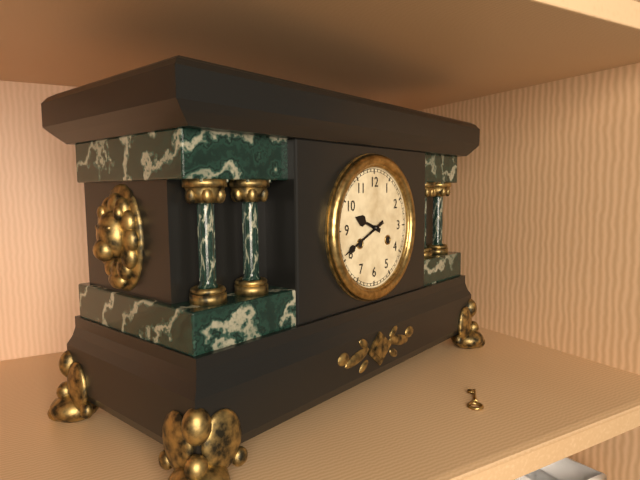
{"hour": 9, "minute": 41}
